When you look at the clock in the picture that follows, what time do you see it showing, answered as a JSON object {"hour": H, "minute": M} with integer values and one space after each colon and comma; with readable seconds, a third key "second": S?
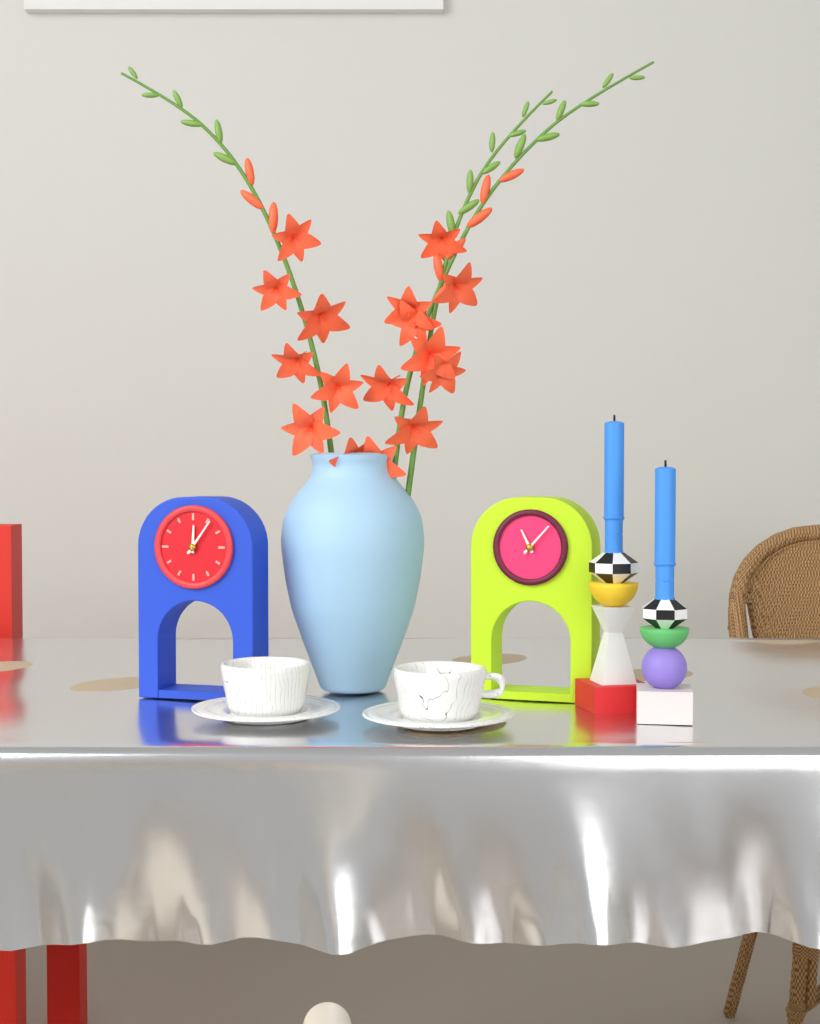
{"hour": 12, "minute": 6}
